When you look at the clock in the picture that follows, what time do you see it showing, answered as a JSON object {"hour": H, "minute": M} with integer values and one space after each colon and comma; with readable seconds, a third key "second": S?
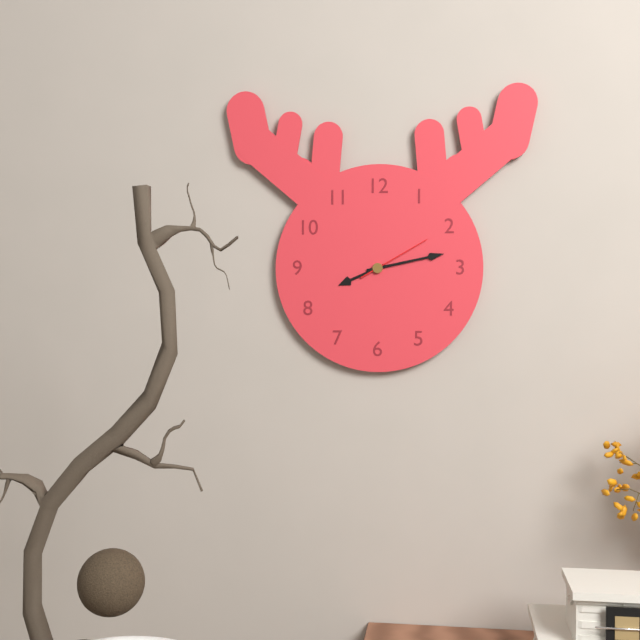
{"hour": 8, "minute": 13, "second": 10}
